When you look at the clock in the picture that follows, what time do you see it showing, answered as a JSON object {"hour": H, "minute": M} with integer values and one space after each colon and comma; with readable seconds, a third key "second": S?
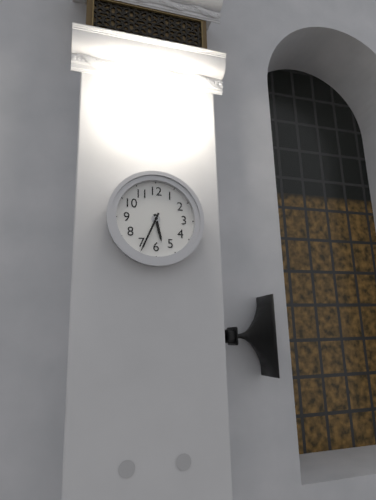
{"hour": 5, "minute": 34}
